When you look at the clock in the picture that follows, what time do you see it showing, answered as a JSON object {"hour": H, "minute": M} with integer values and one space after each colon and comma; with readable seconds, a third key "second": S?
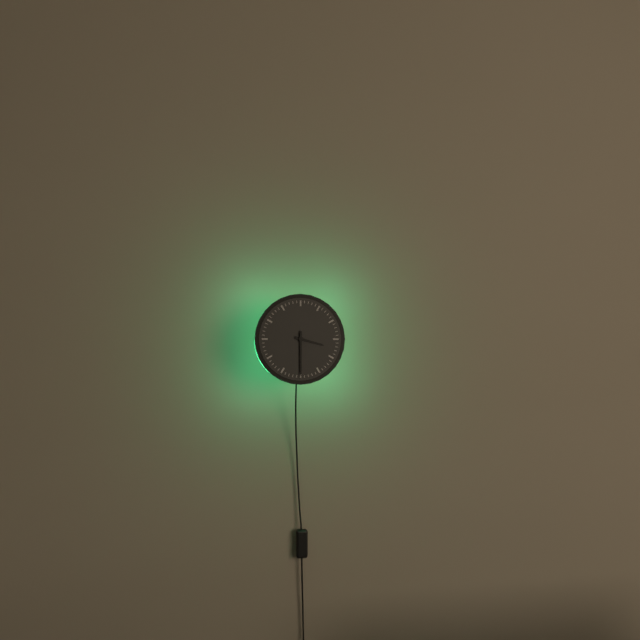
{"hour": 3, "minute": 30}
